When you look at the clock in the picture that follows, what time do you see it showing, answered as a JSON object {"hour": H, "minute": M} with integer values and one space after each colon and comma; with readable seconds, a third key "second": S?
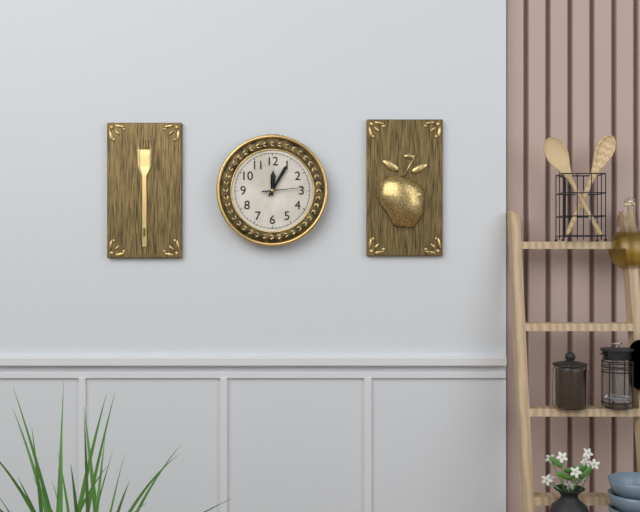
{"hour": 12, "minute": 5}
